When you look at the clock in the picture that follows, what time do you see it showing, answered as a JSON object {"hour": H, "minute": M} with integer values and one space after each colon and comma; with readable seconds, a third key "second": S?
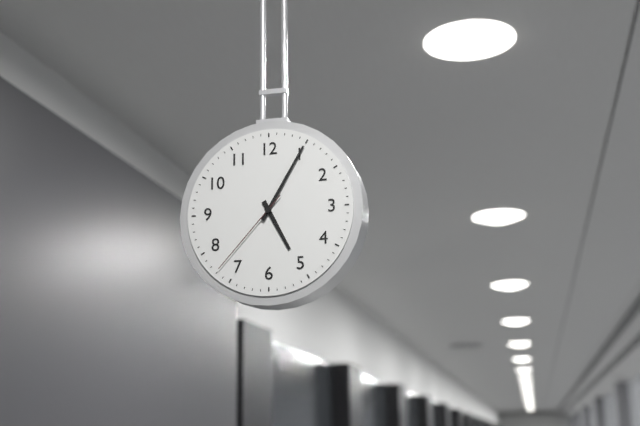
{"hour": 5, "minute": 5, "second": 37}
